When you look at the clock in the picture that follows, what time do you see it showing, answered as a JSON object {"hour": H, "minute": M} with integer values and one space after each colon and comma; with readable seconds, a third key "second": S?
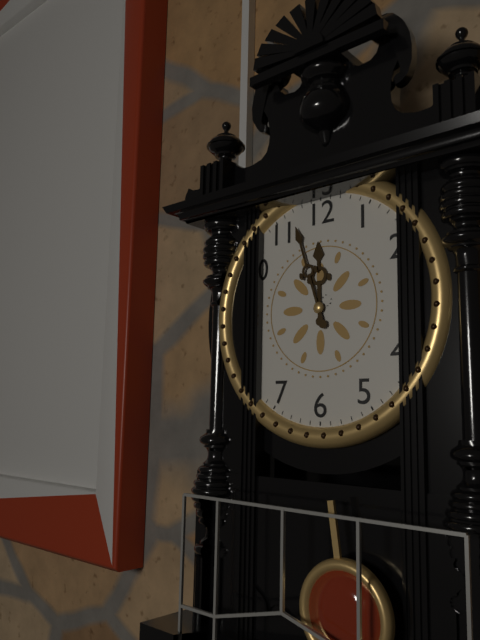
{"hour": 11, "minute": 57}
